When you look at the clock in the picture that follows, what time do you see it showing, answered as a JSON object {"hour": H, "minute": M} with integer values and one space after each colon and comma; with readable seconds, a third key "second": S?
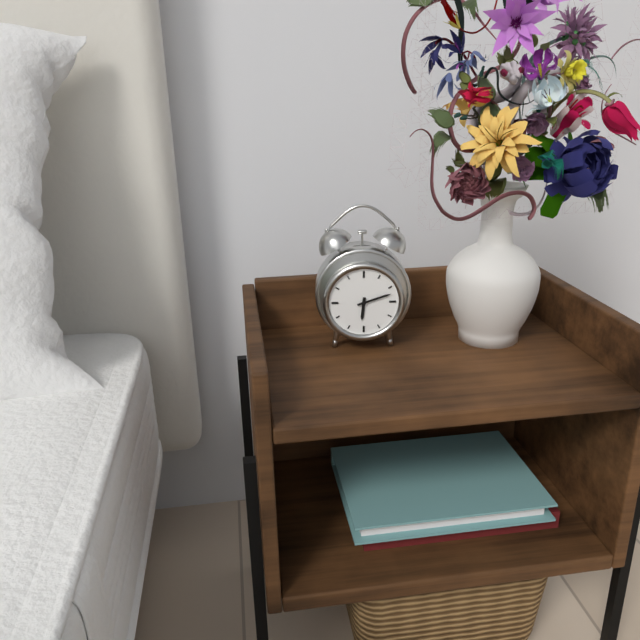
{"hour": 6, "minute": 12}
